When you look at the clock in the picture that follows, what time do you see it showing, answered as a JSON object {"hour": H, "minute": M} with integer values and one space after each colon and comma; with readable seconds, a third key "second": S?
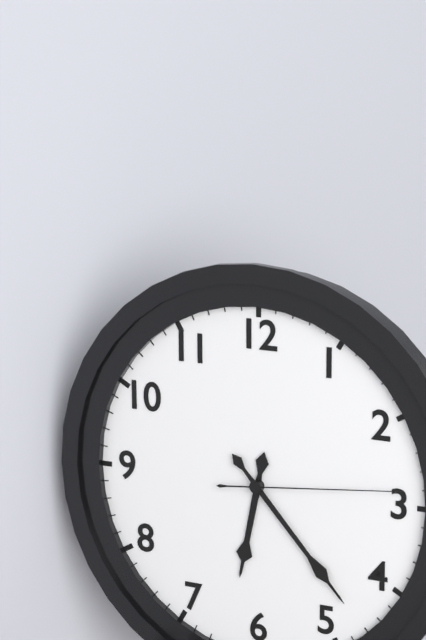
{"hour": 6, "minute": 23, "second": 14}
